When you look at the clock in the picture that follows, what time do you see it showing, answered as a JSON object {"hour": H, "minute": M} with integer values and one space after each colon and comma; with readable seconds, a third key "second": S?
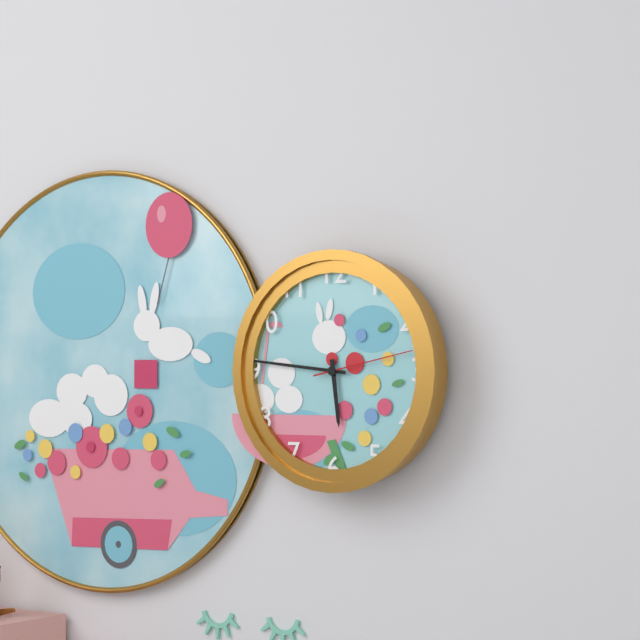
{"hour": 5, "minute": 46, "second": 13}
